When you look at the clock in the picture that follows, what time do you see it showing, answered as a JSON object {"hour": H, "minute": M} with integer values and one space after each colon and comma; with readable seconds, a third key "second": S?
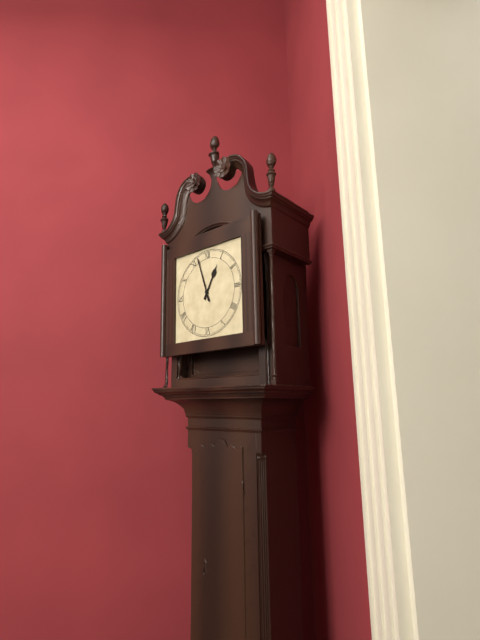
{"hour": 12, "minute": 57}
